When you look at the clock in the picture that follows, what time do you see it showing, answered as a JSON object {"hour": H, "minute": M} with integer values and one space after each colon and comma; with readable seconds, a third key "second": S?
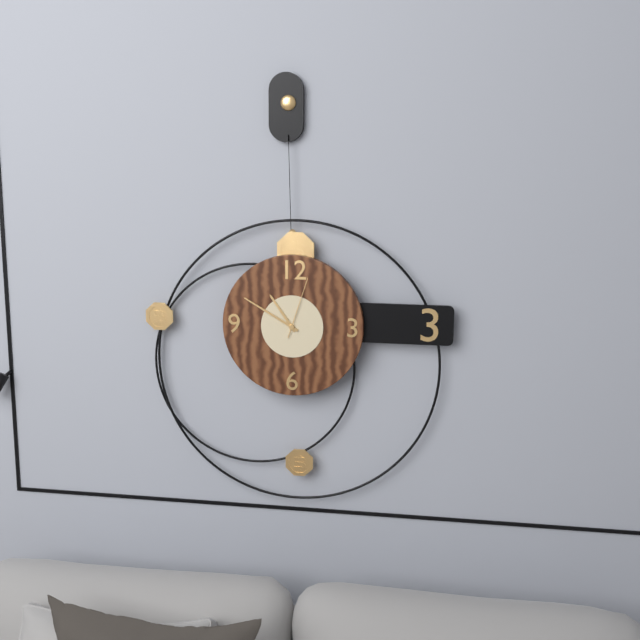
{"hour": 10, "minute": 50, "second": 3}
